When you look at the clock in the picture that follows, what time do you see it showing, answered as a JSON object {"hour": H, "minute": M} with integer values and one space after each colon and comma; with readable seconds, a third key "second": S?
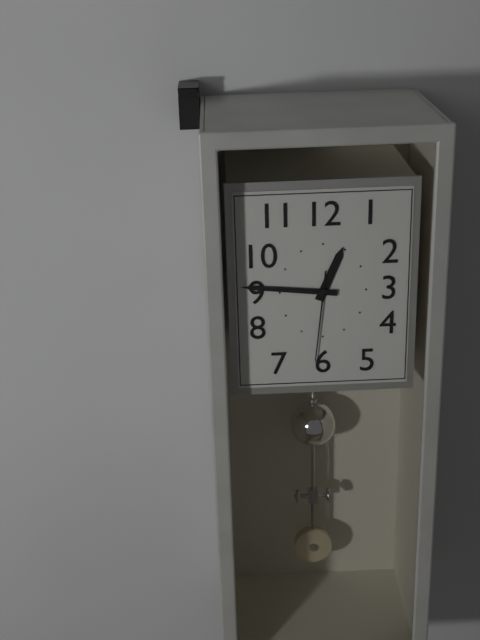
{"hour": 12, "minute": 46, "second": 31}
